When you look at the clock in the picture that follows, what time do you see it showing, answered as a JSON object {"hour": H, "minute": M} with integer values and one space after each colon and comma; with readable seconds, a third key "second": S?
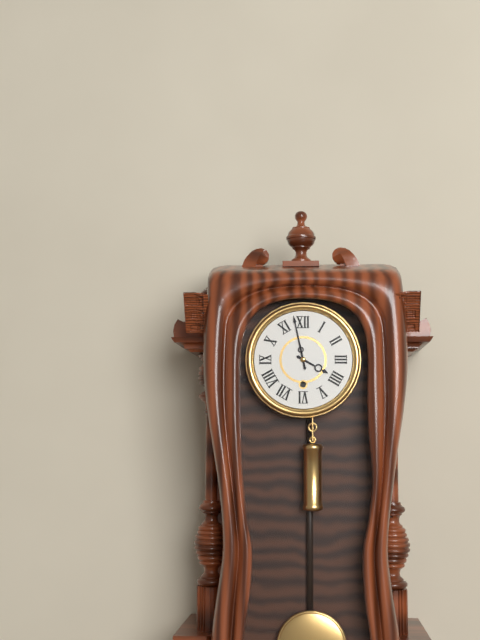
{"hour": 3, "minute": 58}
